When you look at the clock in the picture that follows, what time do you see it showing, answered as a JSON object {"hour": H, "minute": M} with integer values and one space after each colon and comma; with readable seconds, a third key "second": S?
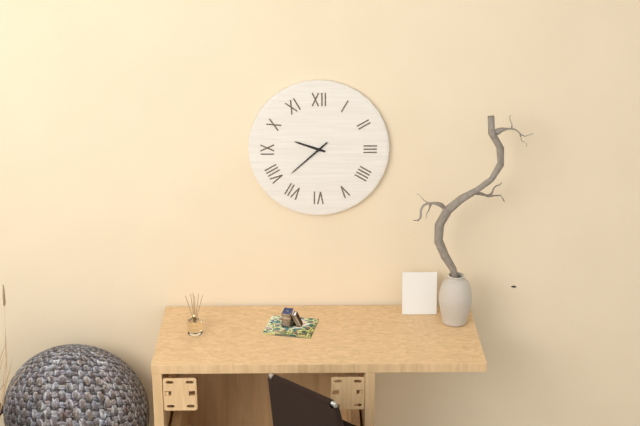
{"hour": 9, "minute": 38}
